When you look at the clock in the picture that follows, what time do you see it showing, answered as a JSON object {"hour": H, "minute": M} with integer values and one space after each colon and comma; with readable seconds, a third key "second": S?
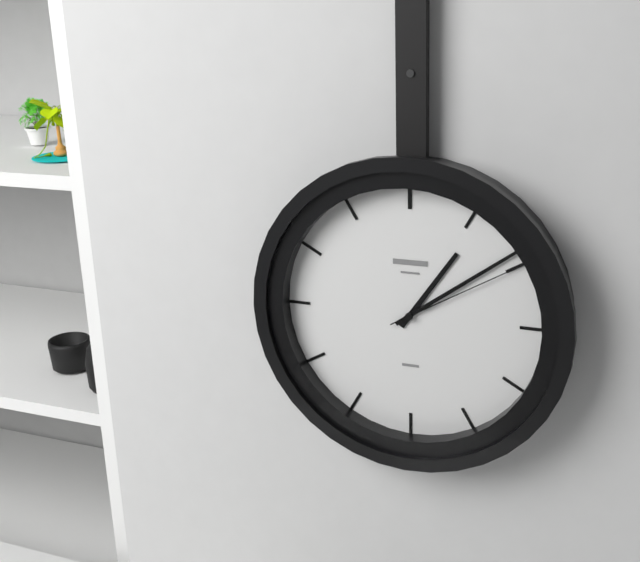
{"hour": 1, "minute": 9, "second": 10}
